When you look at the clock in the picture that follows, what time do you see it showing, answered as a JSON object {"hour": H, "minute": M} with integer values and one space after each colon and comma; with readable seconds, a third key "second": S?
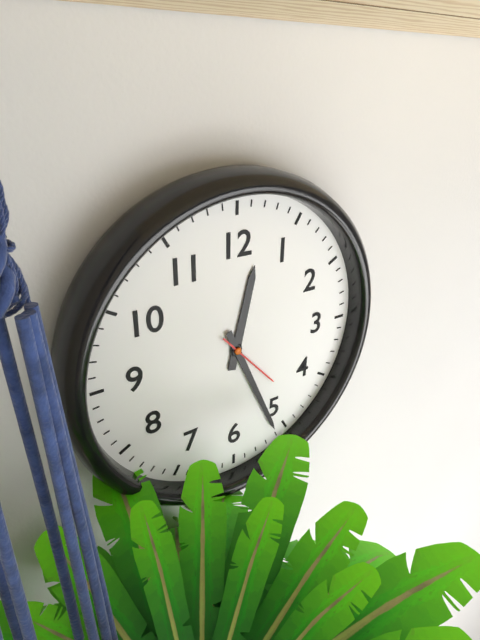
{"hour": 12, "minute": 26, "second": 23}
